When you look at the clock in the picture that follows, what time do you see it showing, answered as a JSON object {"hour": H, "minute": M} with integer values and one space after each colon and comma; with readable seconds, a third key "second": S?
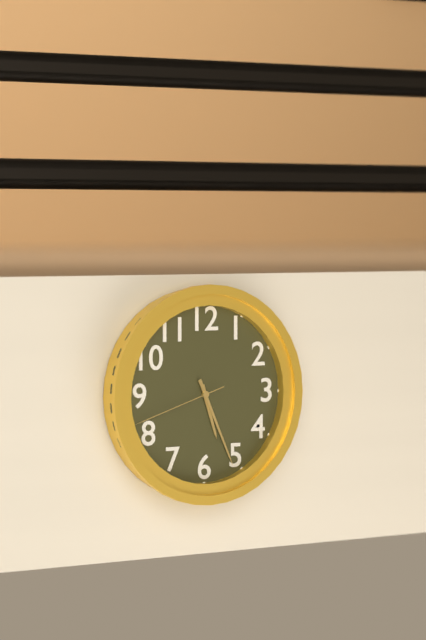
{"hour": 5, "minute": 26, "second": 42}
